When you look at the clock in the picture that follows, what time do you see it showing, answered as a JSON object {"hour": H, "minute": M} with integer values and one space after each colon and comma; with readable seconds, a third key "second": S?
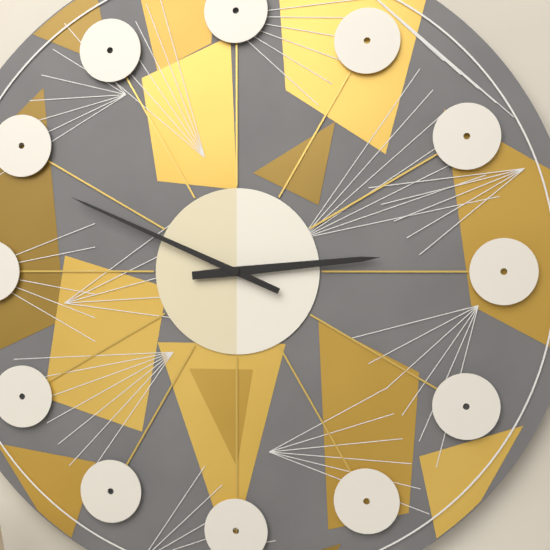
{"hour": 2, "minute": 49}
